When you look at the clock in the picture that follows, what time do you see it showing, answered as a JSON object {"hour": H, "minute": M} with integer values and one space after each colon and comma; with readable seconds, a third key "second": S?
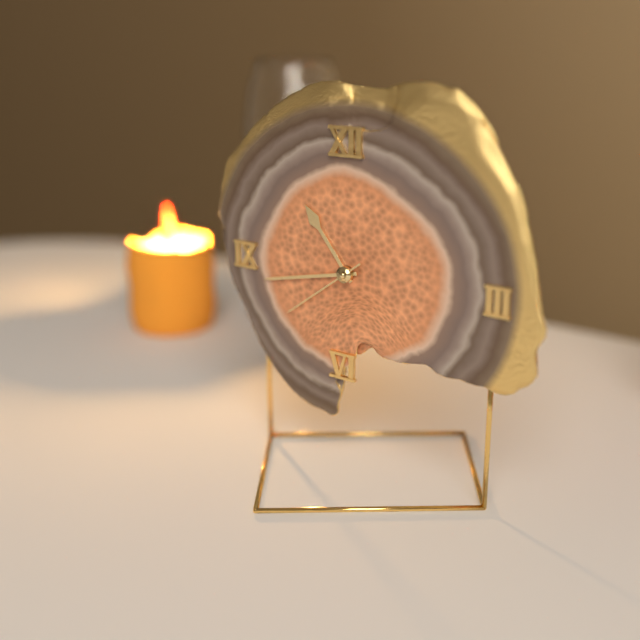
{"hour": 10, "minute": 43, "second": 39}
